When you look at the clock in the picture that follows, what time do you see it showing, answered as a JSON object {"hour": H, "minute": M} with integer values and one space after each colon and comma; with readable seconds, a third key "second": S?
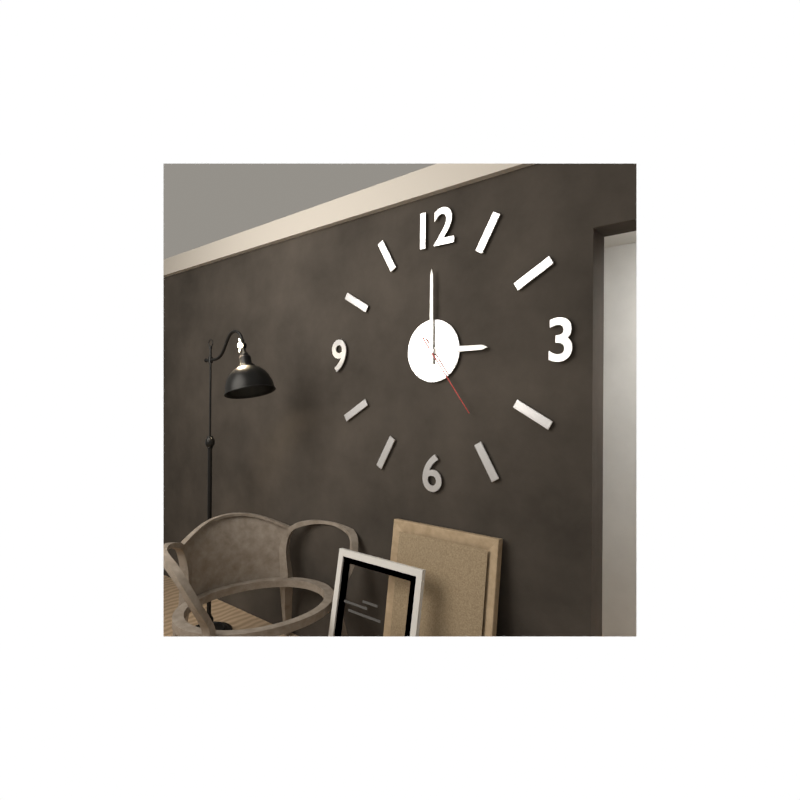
{"hour": 3, "minute": 0, "second": 24}
